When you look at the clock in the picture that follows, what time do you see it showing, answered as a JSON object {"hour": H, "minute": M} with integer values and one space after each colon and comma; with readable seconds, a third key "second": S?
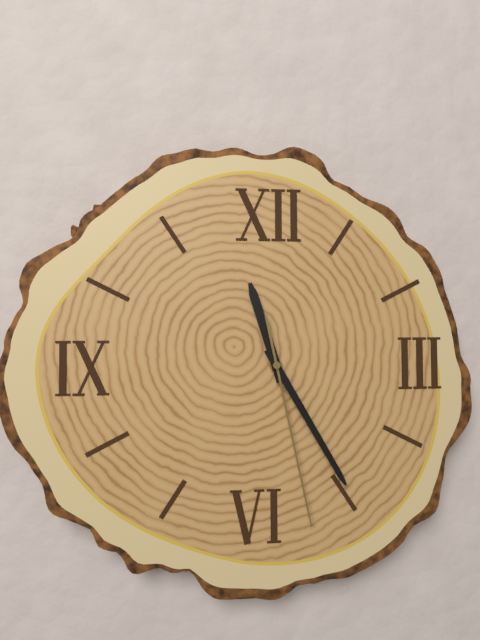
{"hour": 11, "minute": 25, "second": 28}
